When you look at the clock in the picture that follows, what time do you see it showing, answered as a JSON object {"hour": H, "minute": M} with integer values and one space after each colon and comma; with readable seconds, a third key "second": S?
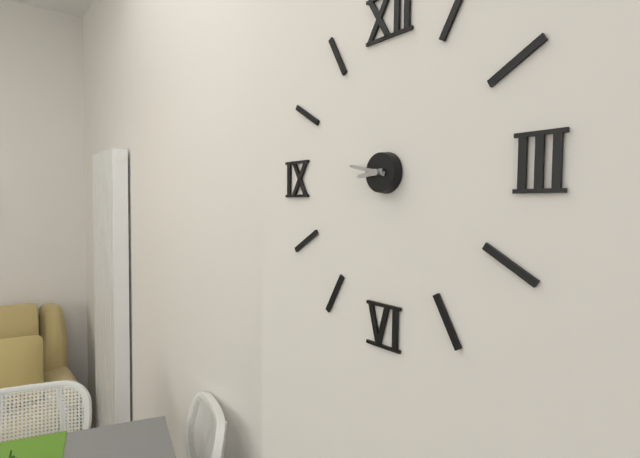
{"hour": 8, "minute": 47}
